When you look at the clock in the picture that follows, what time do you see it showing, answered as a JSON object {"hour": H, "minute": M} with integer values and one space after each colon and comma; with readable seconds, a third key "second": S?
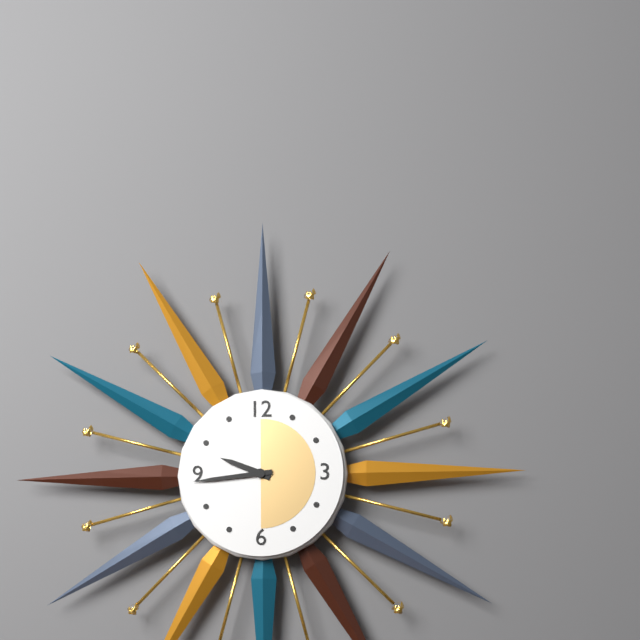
{"hour": 9, "minute": 44}
